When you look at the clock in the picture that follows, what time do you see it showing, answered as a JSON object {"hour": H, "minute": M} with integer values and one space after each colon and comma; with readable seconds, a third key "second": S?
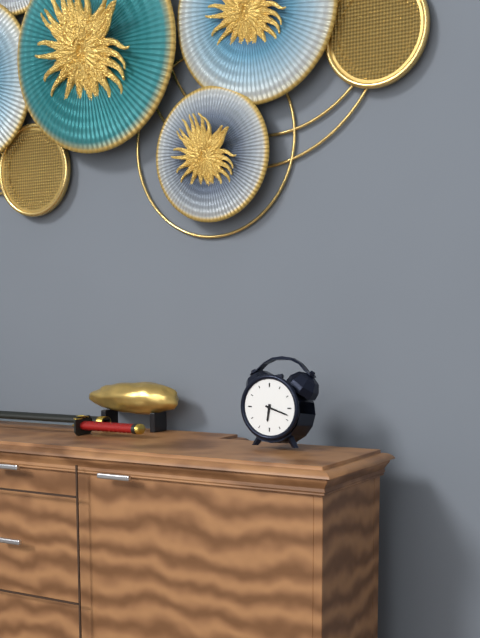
{"hour": 6, "minute": 18}
